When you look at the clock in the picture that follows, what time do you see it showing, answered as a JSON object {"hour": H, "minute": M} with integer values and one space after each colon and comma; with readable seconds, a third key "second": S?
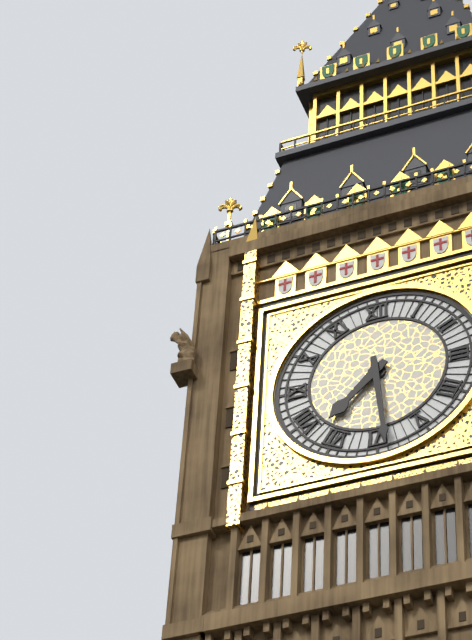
{"hour": 7, "minute": 29}
